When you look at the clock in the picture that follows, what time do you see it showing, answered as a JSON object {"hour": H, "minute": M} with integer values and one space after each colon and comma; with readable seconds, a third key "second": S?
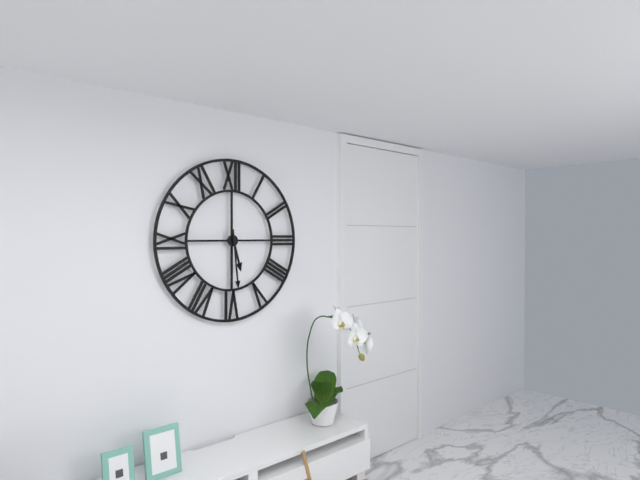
{"hour": 5, "minute": 29}
